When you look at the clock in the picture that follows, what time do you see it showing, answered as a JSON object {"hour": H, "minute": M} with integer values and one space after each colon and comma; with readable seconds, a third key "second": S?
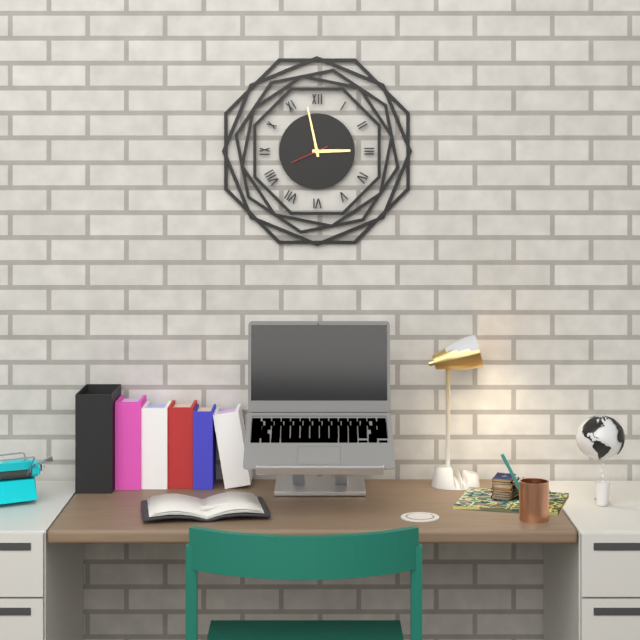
{"hour": 2, "minute": 58}
